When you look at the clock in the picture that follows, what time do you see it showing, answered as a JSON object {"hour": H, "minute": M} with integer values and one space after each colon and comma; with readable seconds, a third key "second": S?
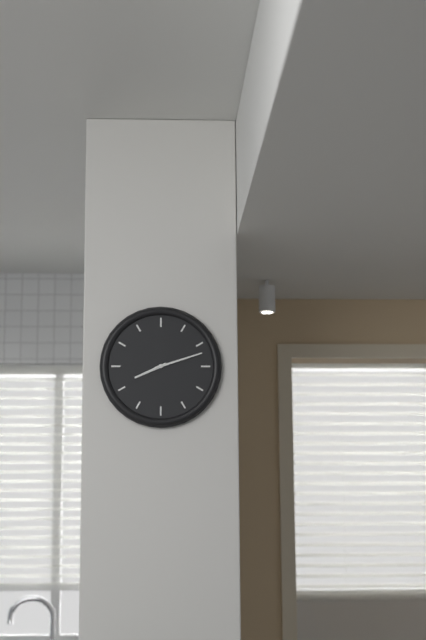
{"hour": 8, "minute": 12}
